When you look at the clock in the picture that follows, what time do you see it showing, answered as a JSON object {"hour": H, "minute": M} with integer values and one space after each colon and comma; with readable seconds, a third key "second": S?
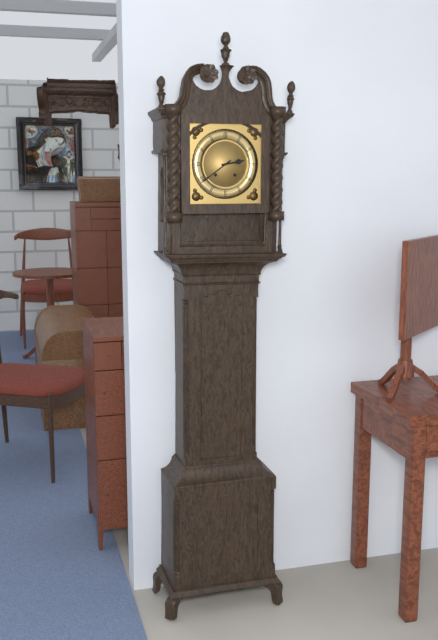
{"hour": 2, "minute": 39}
